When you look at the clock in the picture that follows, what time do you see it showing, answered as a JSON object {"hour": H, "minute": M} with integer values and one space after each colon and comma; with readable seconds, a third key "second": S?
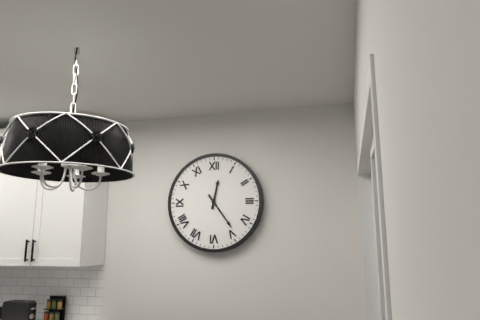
{"hour": 12, "minute": 24}
